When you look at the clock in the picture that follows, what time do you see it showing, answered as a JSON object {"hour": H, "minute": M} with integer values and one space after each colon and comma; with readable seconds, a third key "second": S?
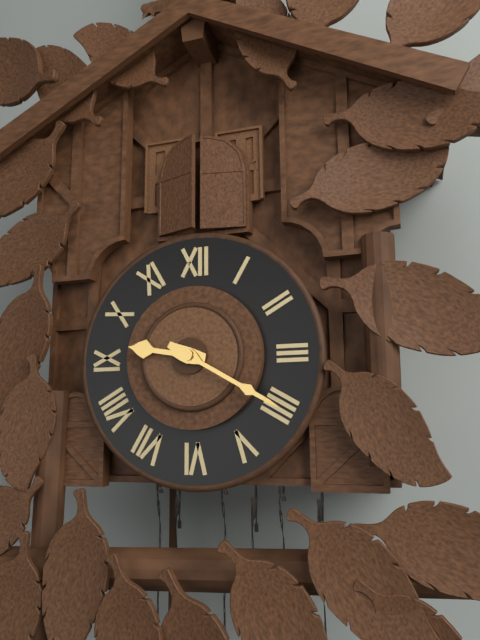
{"hour": 9, "minute": 20}
